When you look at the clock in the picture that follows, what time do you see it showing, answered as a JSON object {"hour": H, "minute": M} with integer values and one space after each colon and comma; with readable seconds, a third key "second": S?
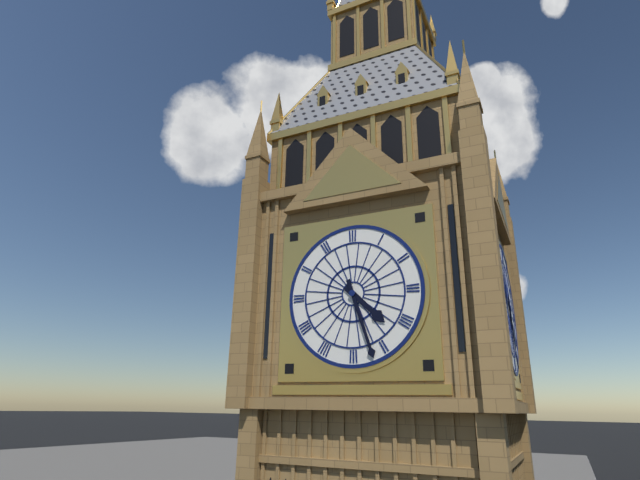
{"hour": 4, "minute": 27}
